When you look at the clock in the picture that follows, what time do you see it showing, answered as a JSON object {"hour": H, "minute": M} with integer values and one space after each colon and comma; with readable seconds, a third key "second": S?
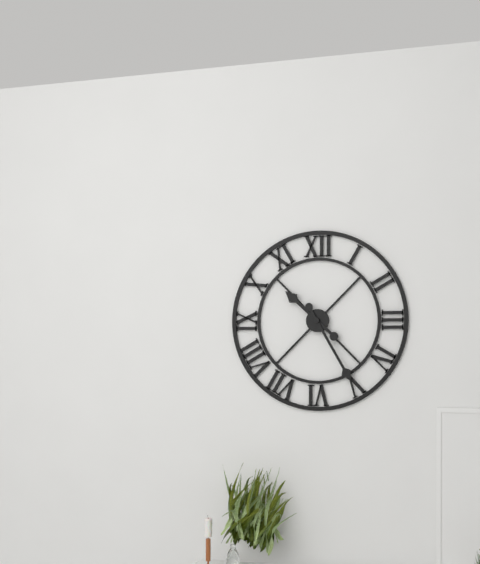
{"hour": 10, "minute": 25}
